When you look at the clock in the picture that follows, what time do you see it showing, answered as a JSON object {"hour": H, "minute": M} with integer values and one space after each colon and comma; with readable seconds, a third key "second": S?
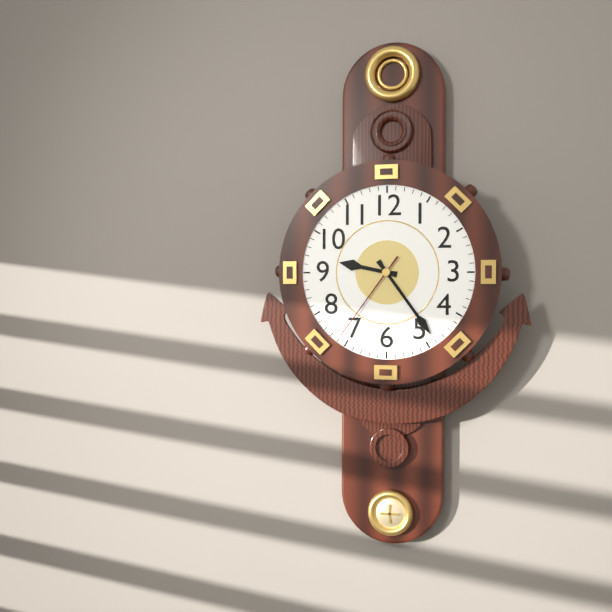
{"hour": 9, "minute": 24, "second": 36}
